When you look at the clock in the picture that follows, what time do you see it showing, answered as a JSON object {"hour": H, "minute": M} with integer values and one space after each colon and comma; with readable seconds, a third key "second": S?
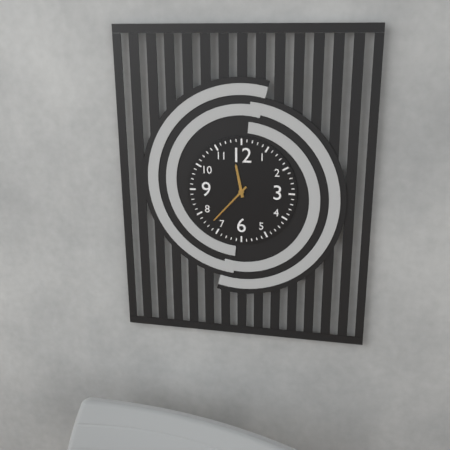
{"hour": 11, "minute": 37}
